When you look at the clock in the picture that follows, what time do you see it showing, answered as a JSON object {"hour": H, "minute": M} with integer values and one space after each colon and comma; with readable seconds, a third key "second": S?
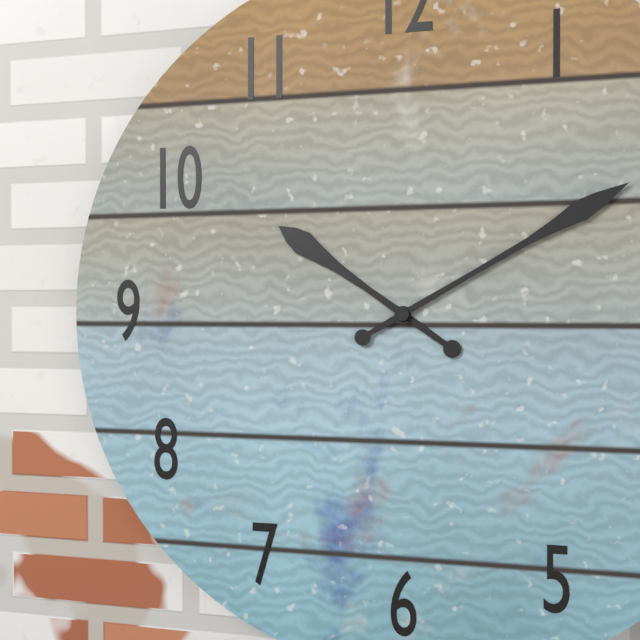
{"hour": 10, "minute": 10}
